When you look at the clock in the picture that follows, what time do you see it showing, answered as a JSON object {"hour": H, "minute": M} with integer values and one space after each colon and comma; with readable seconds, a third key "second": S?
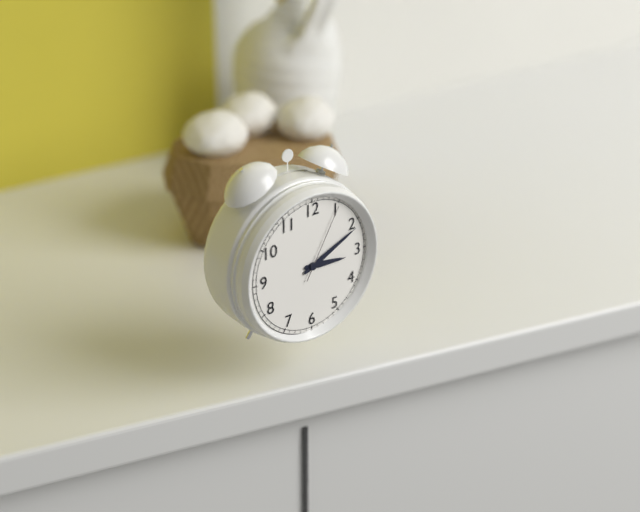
{"hour": 3, "minute": 11, "second": 5}
